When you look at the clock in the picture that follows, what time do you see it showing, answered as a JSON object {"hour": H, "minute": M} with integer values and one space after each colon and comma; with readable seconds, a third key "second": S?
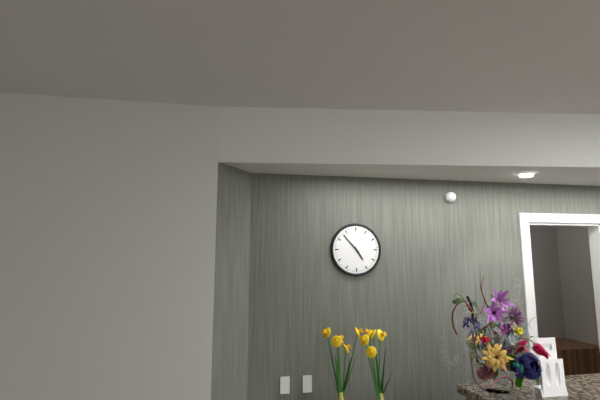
{"hour": 4, "minute": 53}
